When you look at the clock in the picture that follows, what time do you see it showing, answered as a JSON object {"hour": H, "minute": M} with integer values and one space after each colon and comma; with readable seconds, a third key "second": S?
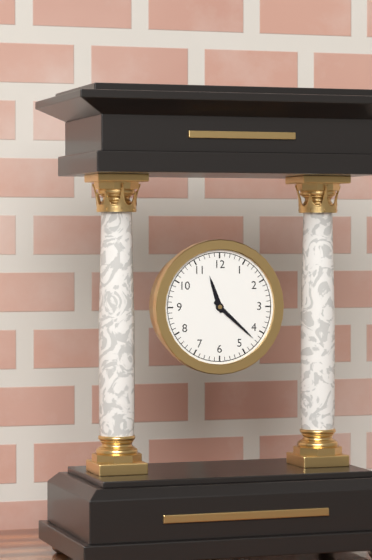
{"hour": 11, "minute": 22}
